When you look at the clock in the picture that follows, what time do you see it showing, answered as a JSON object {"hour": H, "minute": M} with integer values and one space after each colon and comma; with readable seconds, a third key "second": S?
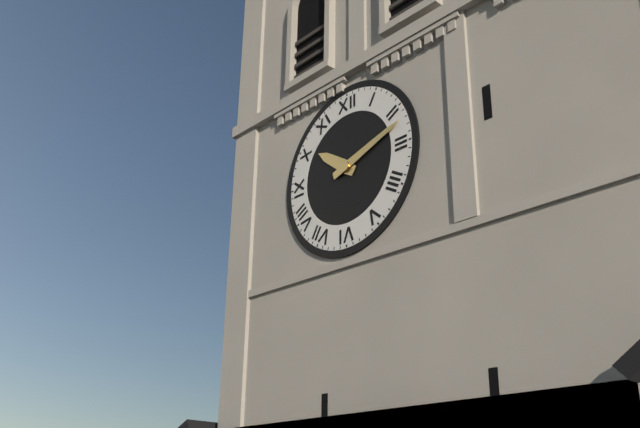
{"hour": 10, "minute": 12}
